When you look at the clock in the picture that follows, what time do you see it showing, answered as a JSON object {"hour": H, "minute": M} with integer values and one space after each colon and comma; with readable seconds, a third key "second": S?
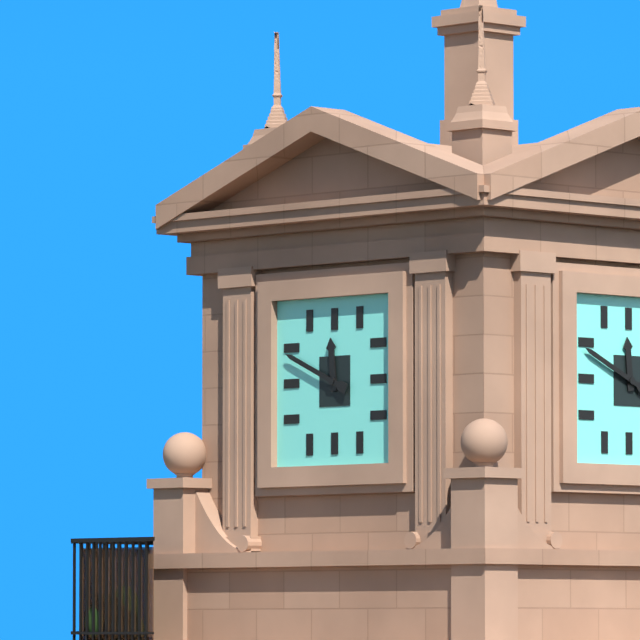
{"hour": 11, "minute": 49}
